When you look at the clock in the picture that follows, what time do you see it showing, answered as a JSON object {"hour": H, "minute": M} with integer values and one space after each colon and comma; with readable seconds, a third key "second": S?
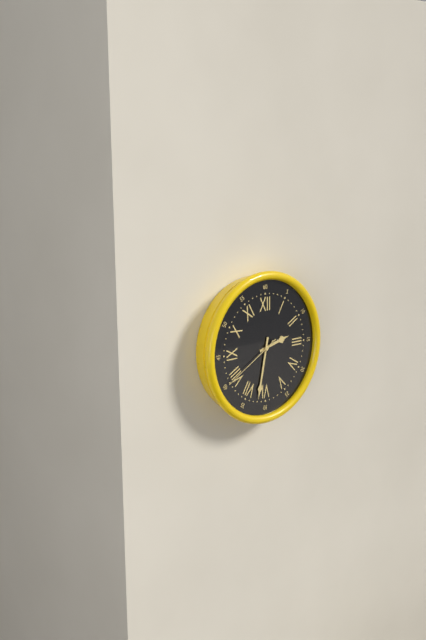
{"hour": 2, "minute": 32, "second": 40}
